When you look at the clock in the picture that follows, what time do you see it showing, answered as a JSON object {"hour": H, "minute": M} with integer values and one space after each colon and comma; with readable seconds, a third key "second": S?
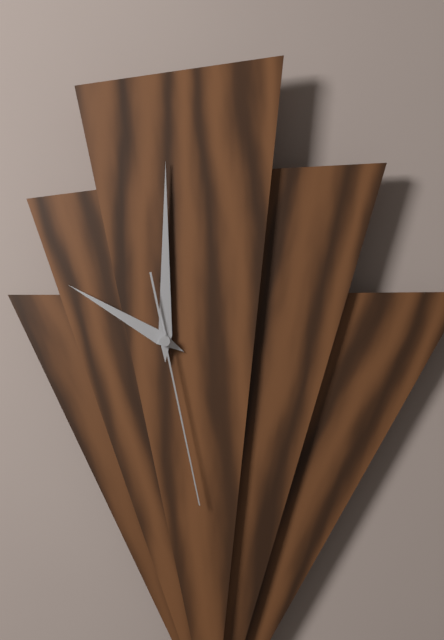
{"hour": 10, "minute": 0, "second": 28}
